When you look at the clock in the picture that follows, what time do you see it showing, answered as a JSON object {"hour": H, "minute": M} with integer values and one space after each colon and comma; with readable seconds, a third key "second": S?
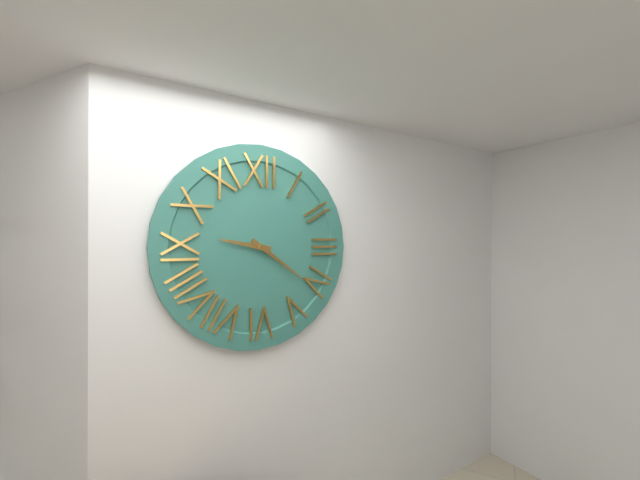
{"hour": 9, "minute": 21}
